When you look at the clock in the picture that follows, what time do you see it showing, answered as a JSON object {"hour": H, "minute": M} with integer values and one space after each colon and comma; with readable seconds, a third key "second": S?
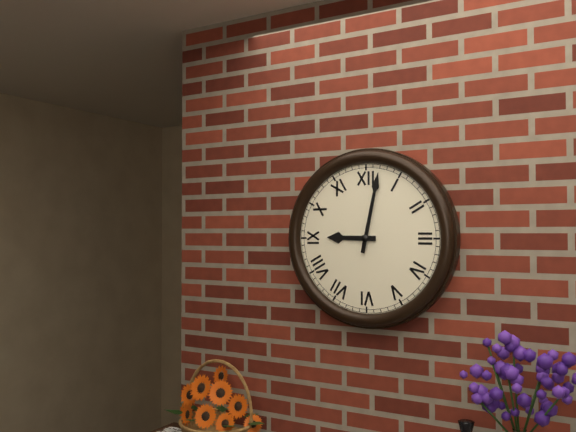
{"hour": 9, "minute": 2}
